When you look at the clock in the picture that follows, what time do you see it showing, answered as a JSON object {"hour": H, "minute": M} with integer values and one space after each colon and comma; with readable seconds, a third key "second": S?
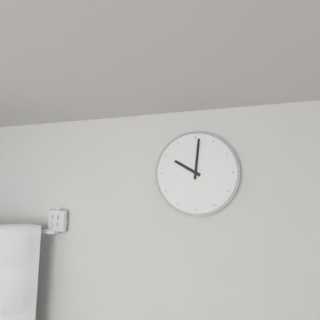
{"hour": 10, "minute": 1}
